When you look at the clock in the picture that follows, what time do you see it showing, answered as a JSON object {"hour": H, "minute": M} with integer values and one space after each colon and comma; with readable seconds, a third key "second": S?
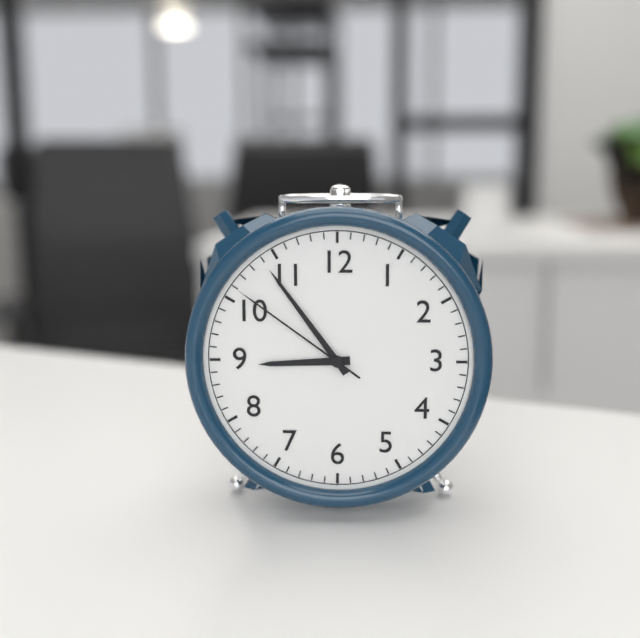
{"hour": 8, "minute": 54, "second": 51}
